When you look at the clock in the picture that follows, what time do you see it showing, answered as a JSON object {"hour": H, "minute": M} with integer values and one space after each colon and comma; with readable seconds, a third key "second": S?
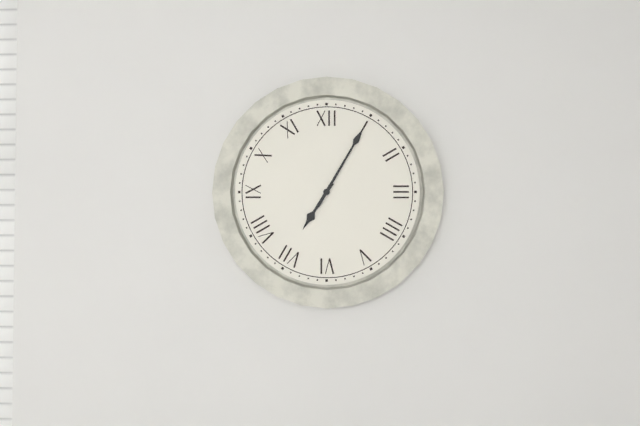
{"hour": 7, "minute": 5}
